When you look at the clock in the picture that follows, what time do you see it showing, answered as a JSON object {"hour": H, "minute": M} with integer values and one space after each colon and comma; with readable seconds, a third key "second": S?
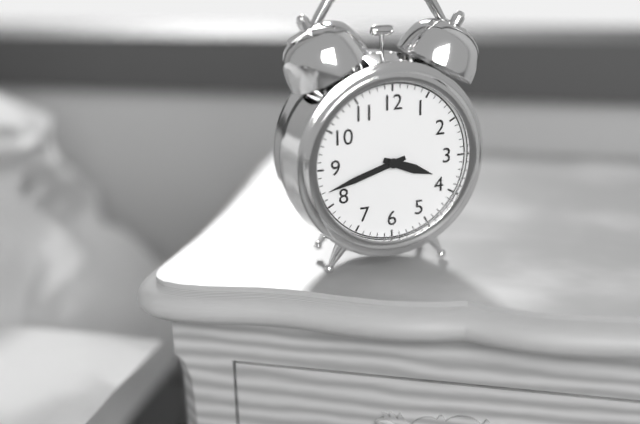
{"hour": 3, "minute": 42}
